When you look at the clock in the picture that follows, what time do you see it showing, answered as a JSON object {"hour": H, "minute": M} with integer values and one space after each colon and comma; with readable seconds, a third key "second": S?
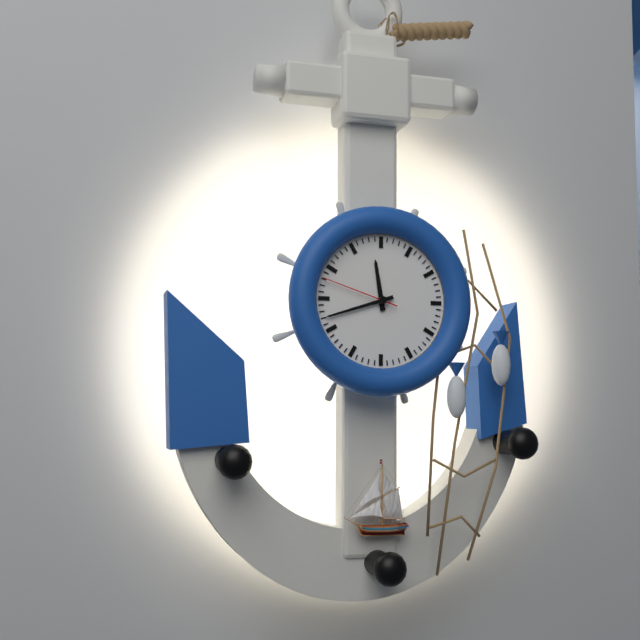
{"hour": 11, "minute": 42, "second": 48}
